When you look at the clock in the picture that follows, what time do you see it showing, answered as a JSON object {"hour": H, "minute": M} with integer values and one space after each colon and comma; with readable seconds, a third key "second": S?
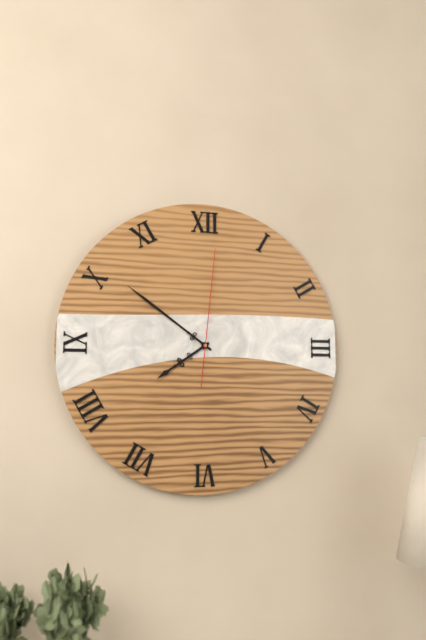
{"hour": 7, "minute": 51, "second": 1}
